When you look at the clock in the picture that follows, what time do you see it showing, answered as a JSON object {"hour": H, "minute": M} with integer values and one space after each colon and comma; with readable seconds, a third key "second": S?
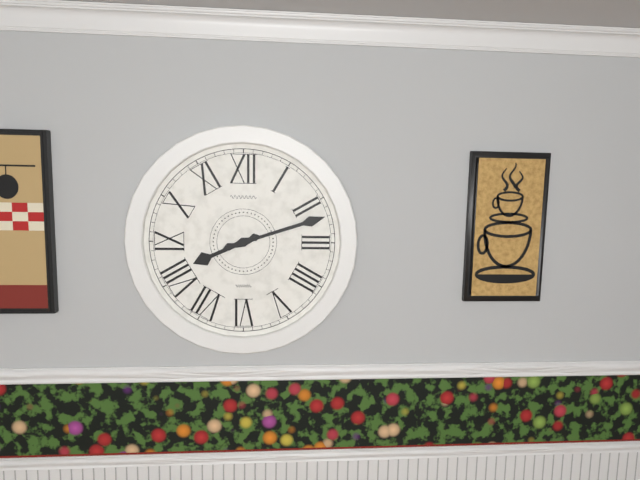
{"hour": 8, "minute": 12}
